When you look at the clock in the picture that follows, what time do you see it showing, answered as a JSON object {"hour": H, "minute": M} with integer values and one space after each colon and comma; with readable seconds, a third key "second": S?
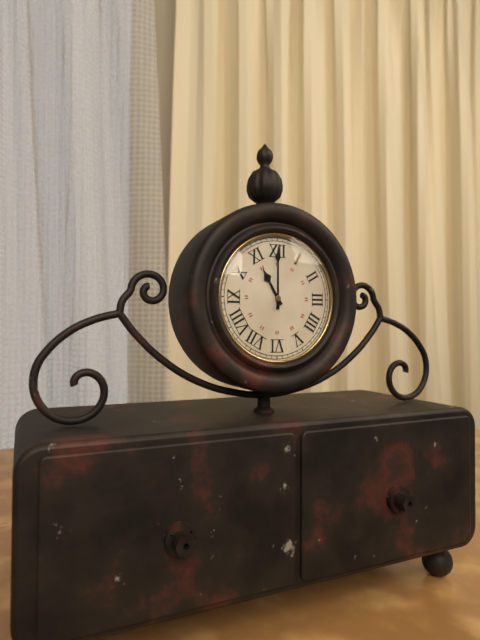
{"hour": 11, "minute": 0}
